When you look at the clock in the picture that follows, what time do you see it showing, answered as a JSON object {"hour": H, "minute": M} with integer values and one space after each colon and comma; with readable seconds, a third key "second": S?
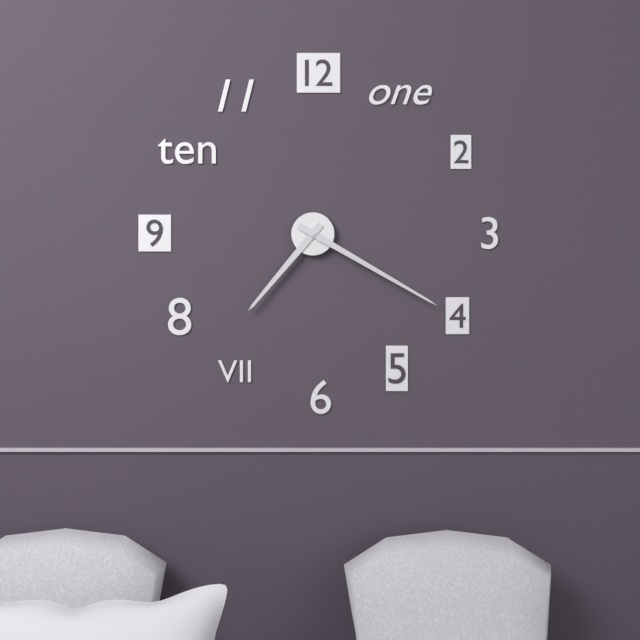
{"hour": 7, "minute": 20}
